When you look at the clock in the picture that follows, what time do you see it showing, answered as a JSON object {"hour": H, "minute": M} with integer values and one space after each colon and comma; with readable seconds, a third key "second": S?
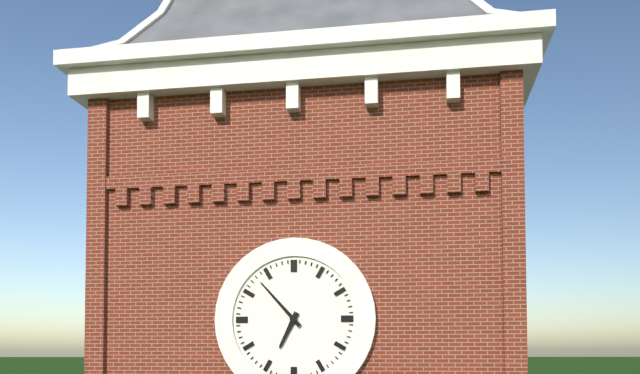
{"hour": 6, "minute": 53}
